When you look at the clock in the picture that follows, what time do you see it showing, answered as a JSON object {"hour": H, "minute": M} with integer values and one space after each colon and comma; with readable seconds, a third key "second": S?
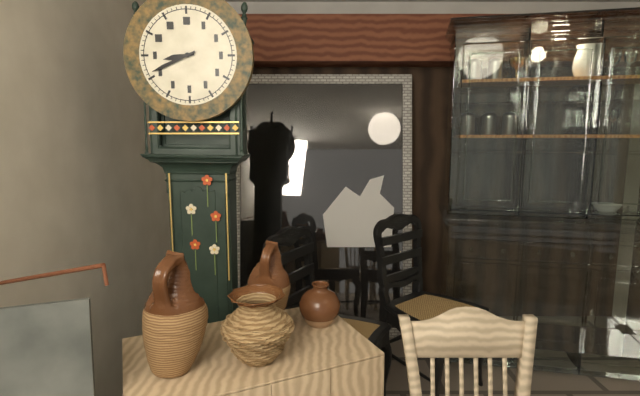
{"hour": 8, "minute": 41}
